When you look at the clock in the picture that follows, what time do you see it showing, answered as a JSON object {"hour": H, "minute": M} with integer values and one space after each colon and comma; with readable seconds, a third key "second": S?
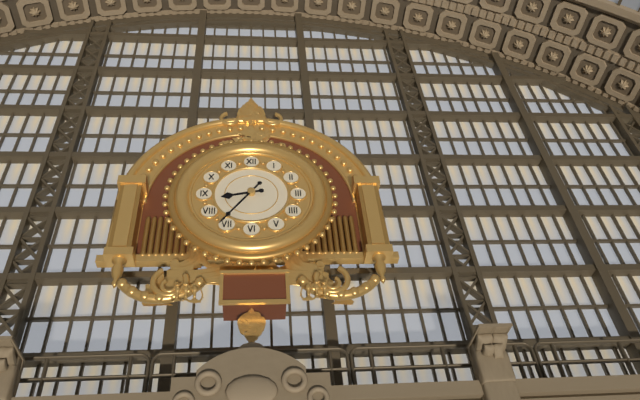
{"hour": 8, "minute": 36}
